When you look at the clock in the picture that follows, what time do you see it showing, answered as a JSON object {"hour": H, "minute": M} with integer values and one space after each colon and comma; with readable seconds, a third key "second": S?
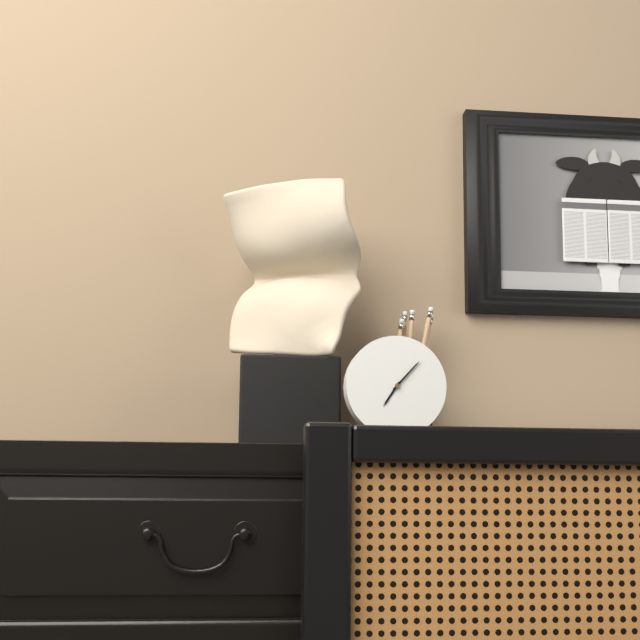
{"hour": 7, "minute": 7}
